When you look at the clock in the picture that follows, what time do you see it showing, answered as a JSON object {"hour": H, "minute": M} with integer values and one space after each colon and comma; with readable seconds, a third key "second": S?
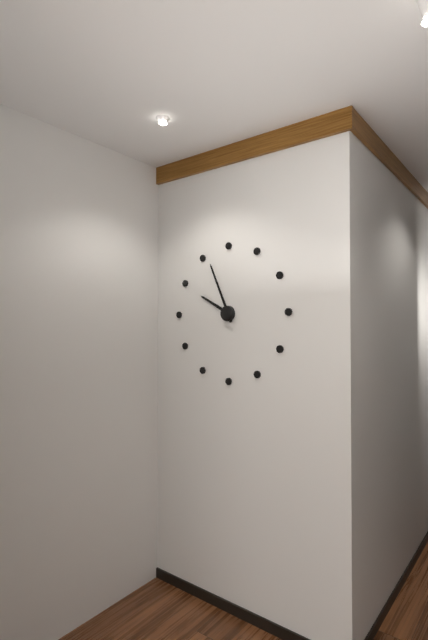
{"hour": 9, "minute": 56}
